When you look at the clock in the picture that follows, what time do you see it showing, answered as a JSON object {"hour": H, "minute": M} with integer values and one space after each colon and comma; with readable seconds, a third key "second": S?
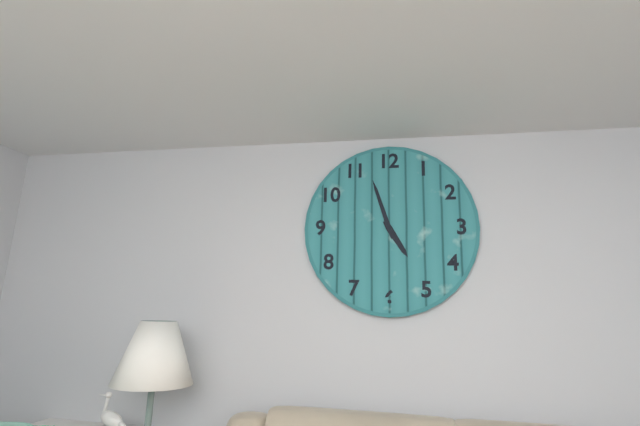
{"hour": 4, "minute": 57}
